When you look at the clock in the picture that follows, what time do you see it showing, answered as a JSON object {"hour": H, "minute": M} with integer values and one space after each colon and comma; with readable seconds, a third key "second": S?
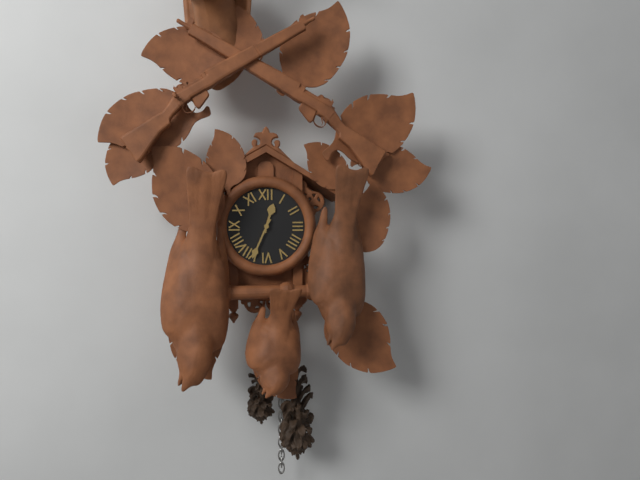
{"hour": 12, "minute": 34}
